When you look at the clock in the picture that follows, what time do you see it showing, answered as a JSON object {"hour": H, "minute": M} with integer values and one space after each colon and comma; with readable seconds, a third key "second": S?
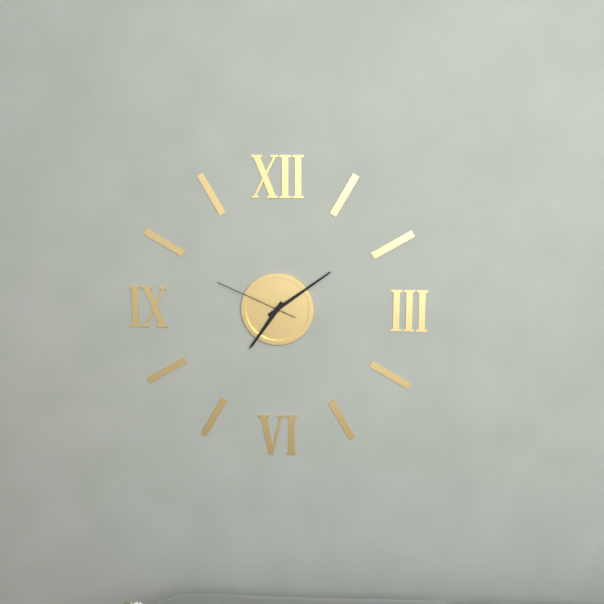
{"hour": 7, "minute": 9, "second": 49}
